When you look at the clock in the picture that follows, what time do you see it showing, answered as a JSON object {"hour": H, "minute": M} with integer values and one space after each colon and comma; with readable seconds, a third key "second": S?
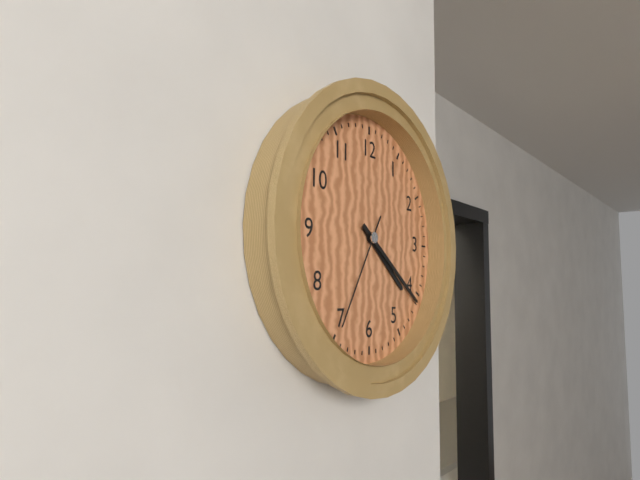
{"hour": 4, "minute": 21, "second": 35}
